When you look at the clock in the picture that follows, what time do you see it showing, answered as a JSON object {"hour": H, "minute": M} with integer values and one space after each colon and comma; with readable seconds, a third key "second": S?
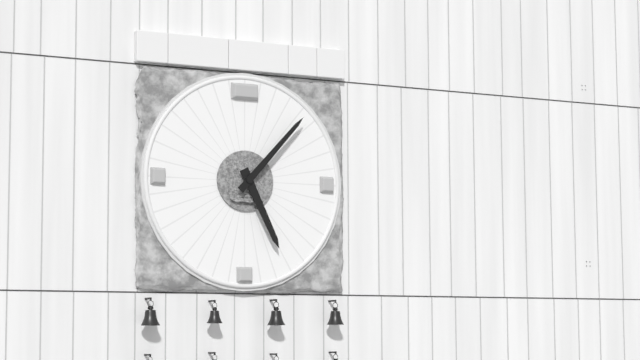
{"hour": 5, "minute": 7}
